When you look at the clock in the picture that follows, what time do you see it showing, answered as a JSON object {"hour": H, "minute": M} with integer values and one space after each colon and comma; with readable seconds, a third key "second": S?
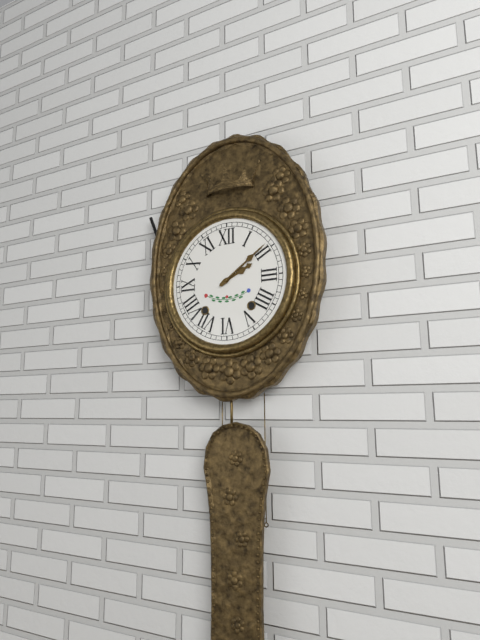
{"hour": 2, "minute": 9}
